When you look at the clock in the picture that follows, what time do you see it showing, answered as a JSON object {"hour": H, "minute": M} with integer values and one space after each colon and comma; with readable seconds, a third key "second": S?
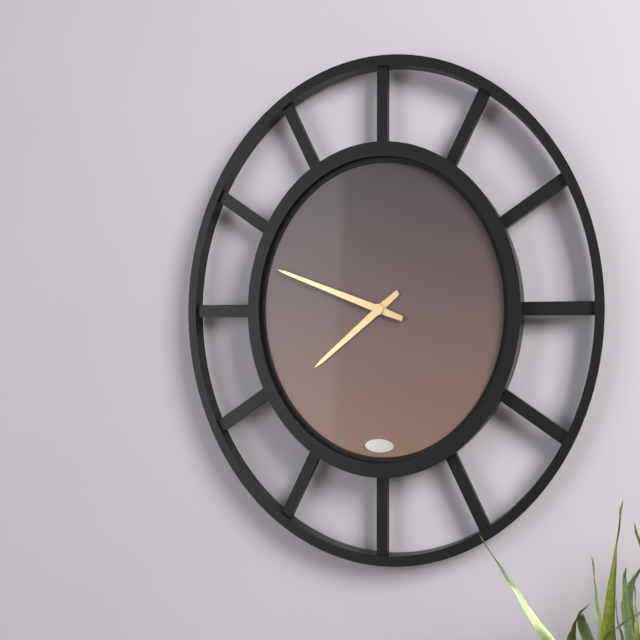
{"hour": 7, "minute": 48}
